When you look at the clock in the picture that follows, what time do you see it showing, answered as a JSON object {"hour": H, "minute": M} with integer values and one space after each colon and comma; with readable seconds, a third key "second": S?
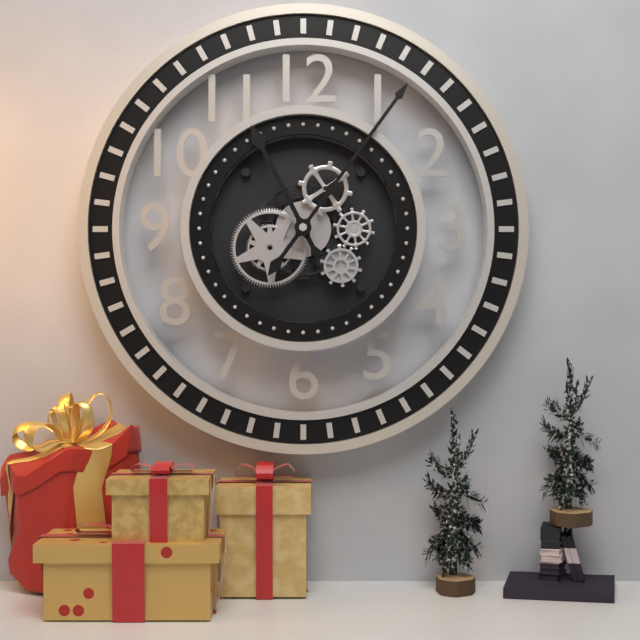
{"hour": 11, "minute": 6}
